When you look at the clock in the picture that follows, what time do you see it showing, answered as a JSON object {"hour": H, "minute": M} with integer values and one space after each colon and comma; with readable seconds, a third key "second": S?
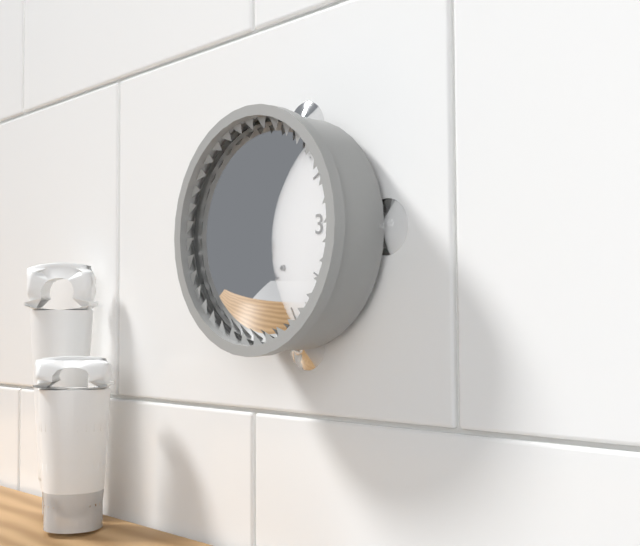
{"hour": 9, "minute": 55}
